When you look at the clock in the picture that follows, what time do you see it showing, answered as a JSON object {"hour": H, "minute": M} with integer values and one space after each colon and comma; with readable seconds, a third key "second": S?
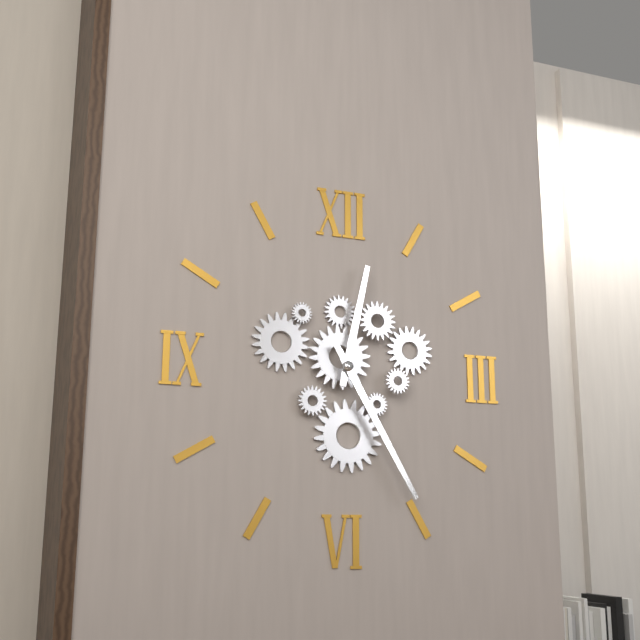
{"hour": 12, "minute": 25}
